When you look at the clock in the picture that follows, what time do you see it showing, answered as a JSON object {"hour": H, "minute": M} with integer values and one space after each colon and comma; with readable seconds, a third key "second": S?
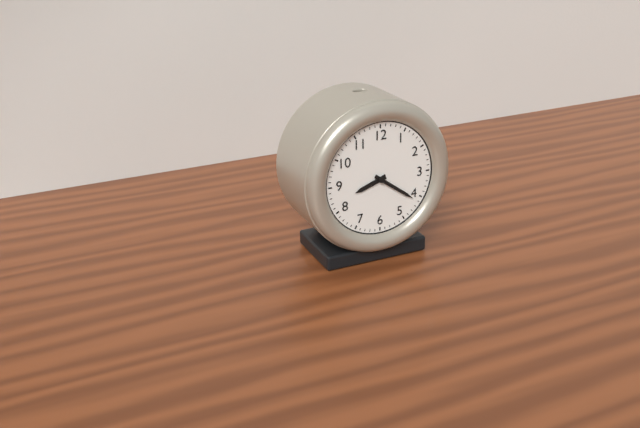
{"hour": 8, "minute": 21}
